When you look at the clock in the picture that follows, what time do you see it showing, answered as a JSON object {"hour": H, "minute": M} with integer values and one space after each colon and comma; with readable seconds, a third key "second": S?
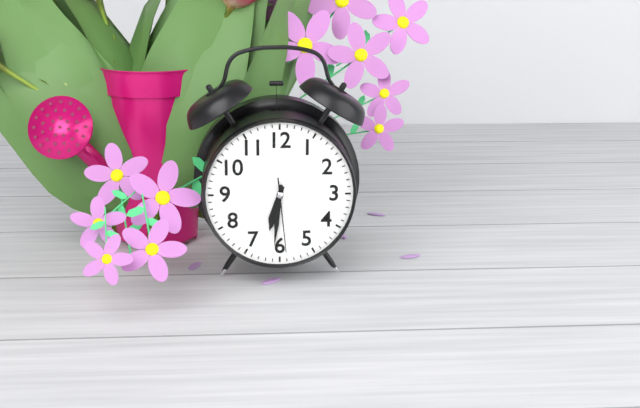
{"hour": 6, "minute": 31, "second": 29}
